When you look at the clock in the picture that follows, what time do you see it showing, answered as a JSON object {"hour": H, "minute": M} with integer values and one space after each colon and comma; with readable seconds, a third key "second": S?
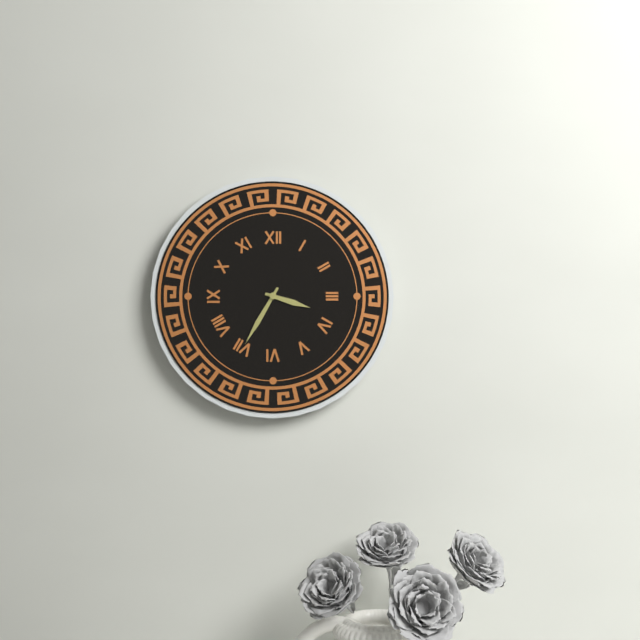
{"hour": 3, "minute": 35}
